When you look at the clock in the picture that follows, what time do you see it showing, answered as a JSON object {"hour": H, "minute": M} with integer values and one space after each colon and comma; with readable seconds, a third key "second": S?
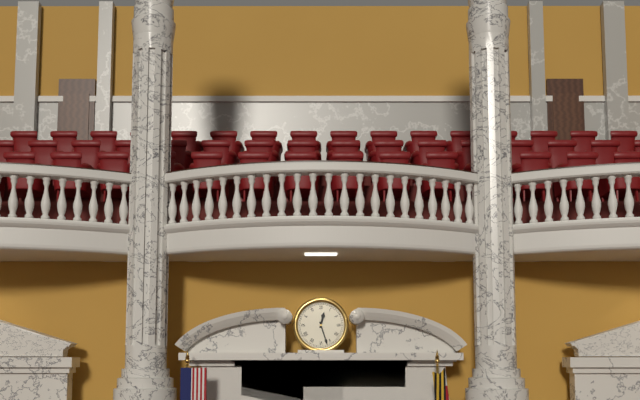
{"hour": 12, "minute": 27}
